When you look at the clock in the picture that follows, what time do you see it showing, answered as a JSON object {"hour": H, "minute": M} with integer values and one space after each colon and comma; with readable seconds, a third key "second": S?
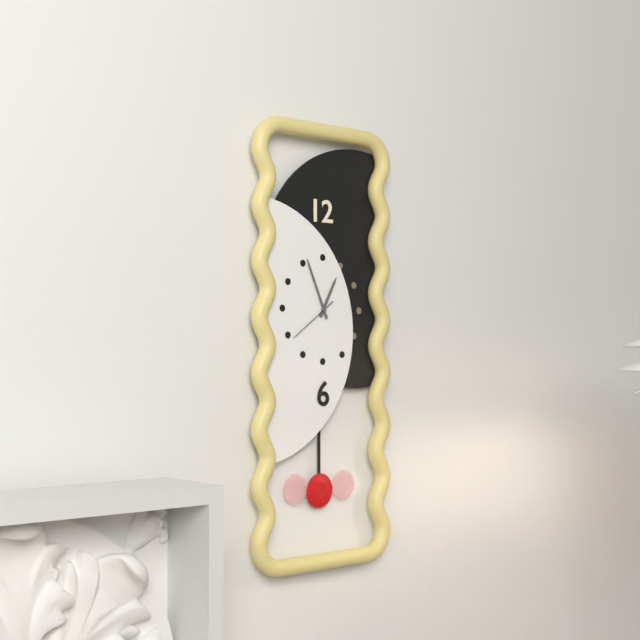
{"hour": 12, "minute": 56, "second": 39}
